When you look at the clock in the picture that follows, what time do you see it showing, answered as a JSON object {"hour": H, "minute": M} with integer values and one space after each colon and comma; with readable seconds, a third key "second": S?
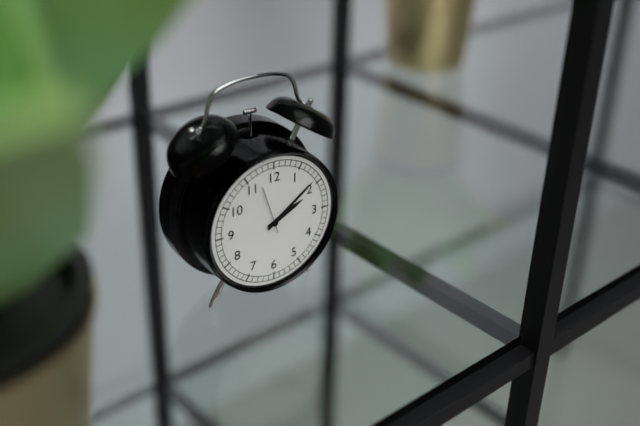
{"hour": 2, "minute": 9}
